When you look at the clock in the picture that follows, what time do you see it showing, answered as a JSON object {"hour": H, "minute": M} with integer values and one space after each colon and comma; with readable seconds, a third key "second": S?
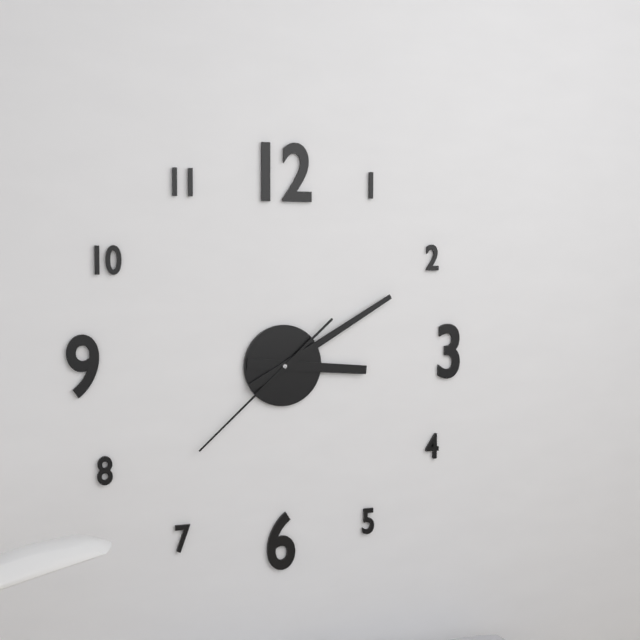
{"hour": 3, "minute": 10, "second": 38}
